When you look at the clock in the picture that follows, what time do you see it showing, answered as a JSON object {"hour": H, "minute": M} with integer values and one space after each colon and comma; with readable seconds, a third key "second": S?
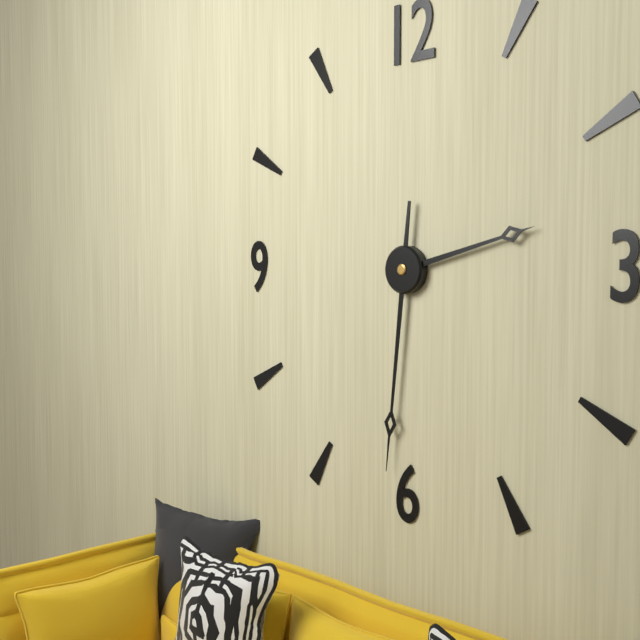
{"hour": 2, "minute": 31}
